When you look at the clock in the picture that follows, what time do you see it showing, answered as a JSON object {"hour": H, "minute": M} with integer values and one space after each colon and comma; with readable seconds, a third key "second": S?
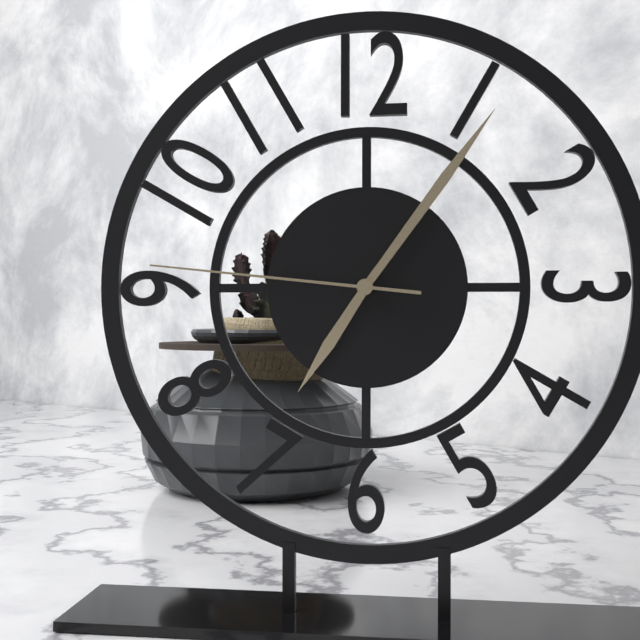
{"hour": 7, "minute": 6, "second": 46}
